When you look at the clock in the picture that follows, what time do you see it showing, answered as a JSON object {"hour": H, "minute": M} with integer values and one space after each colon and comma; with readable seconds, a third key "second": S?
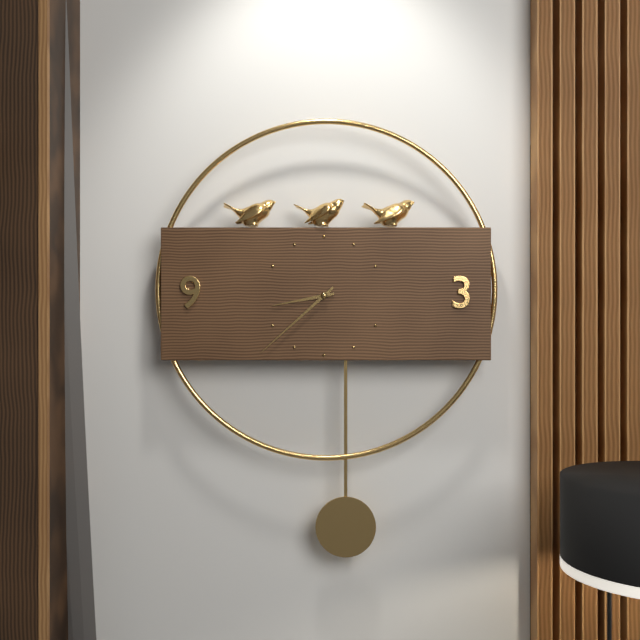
{"hour": 8, "minute": 38}
